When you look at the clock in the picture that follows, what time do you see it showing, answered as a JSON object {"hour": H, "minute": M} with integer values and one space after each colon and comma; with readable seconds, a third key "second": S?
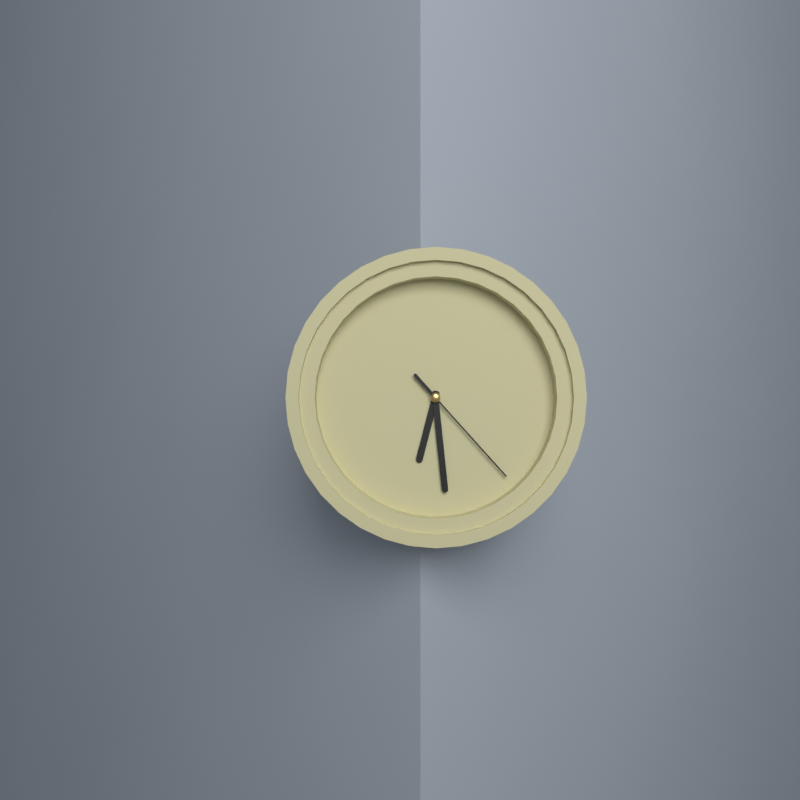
{"hour": 6, "minute": 29, "second": 23}
